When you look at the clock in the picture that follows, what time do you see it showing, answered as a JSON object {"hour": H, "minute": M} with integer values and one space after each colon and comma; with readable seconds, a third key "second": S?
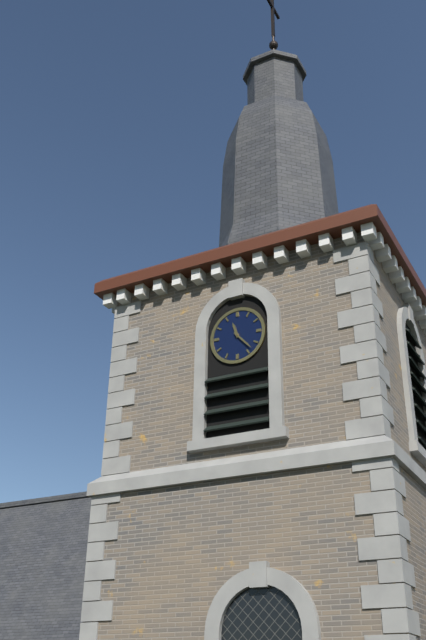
{"hour": 11, "minute": 23}
